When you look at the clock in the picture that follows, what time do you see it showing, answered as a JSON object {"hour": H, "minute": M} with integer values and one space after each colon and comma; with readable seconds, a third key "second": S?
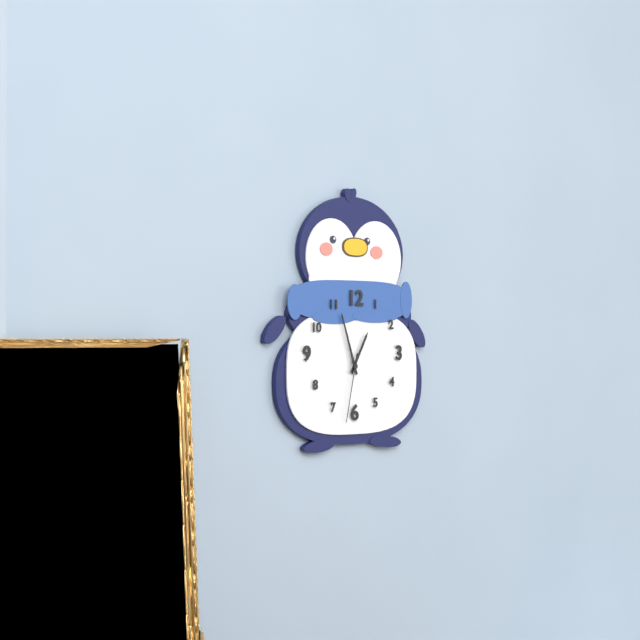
{"hour": 12, "minute": 57, "second": 32}
